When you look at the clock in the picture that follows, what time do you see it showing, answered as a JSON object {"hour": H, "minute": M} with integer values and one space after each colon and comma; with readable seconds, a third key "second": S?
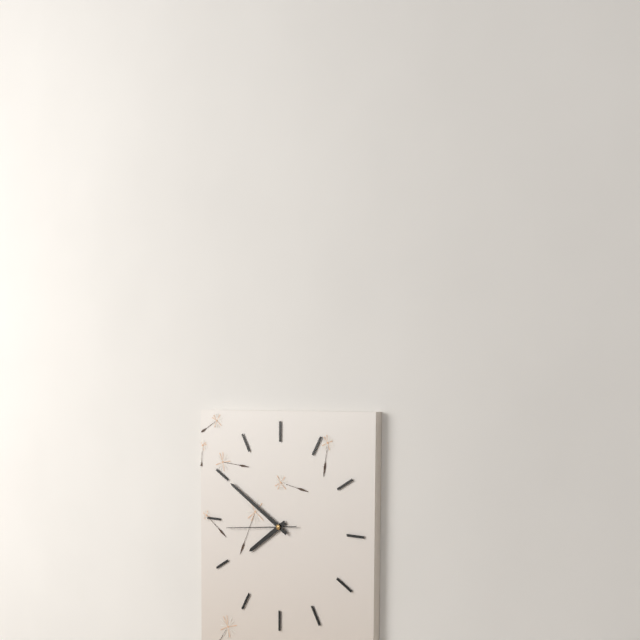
{"hour": 7, "minute": 50, "second": 44}
